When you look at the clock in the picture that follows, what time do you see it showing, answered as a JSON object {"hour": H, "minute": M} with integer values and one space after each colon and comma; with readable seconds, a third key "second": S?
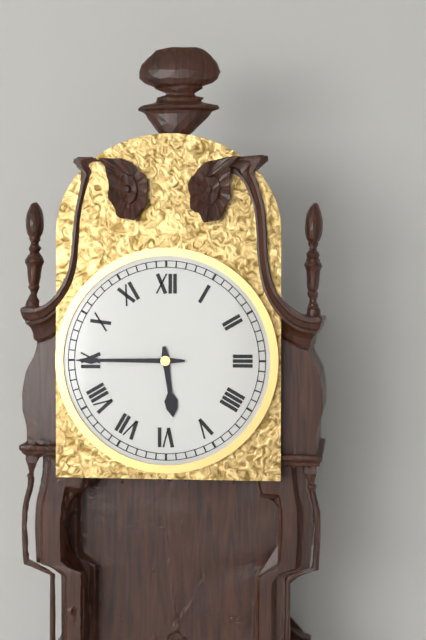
{"hour": 5, "minute": 45}
